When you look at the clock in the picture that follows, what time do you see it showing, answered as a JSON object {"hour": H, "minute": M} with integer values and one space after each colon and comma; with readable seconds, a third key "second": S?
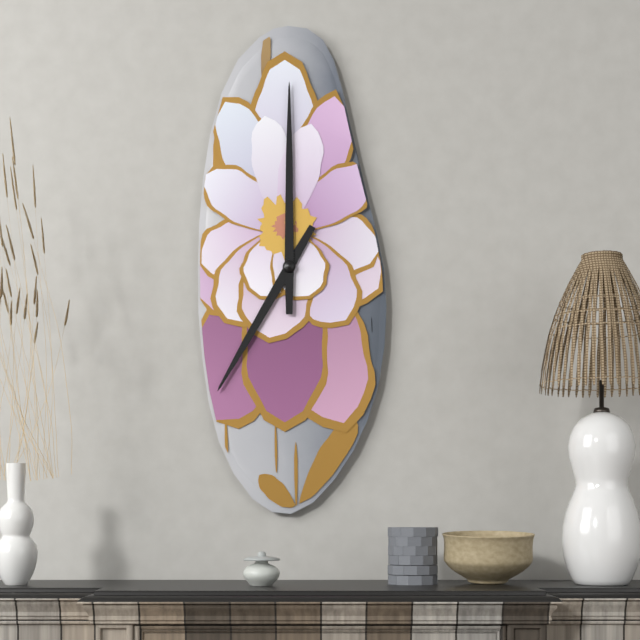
{"hour": 7, "minute": 0}
